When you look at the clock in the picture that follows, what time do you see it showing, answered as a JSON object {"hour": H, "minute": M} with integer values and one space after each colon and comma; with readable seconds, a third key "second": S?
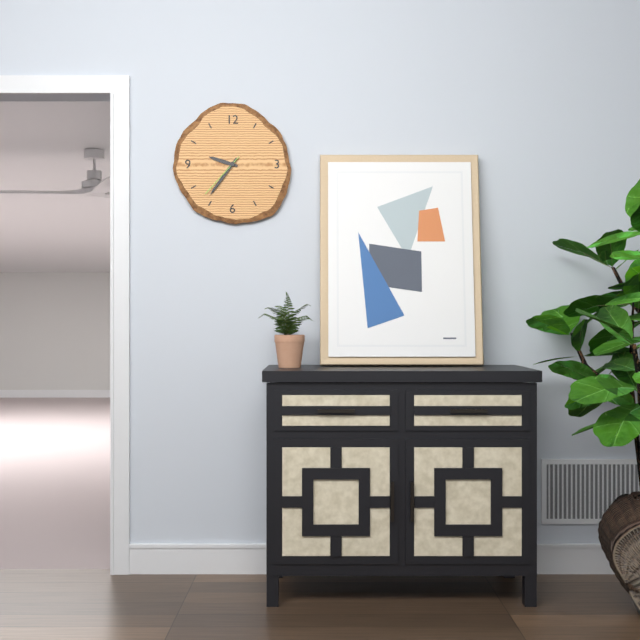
{"hour": 9, "minute": 36}
